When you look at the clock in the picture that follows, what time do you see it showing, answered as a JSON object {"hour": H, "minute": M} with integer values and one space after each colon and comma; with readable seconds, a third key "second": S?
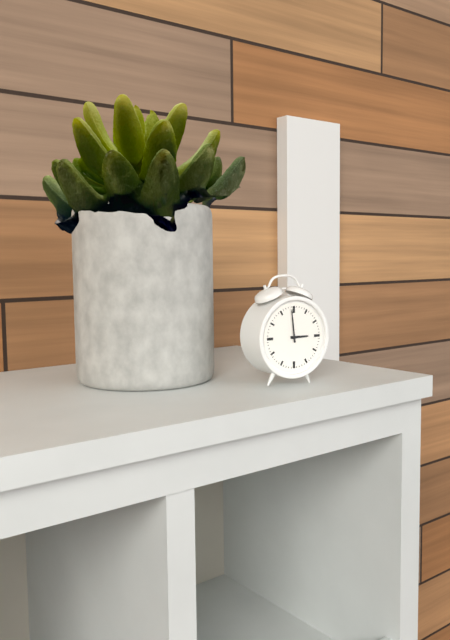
{"hour": 2, "minute": 59}
